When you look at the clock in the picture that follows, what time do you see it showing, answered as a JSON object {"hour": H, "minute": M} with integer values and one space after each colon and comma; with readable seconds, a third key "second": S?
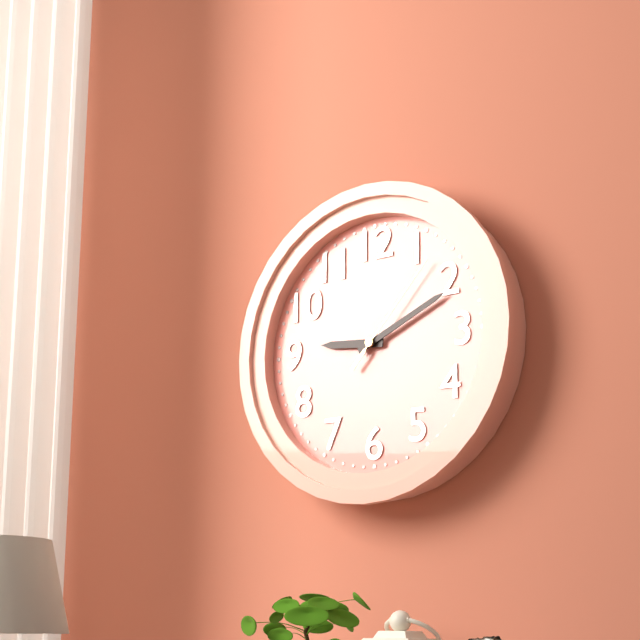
{"hour": 9, "minute": 11, "second": 7}
